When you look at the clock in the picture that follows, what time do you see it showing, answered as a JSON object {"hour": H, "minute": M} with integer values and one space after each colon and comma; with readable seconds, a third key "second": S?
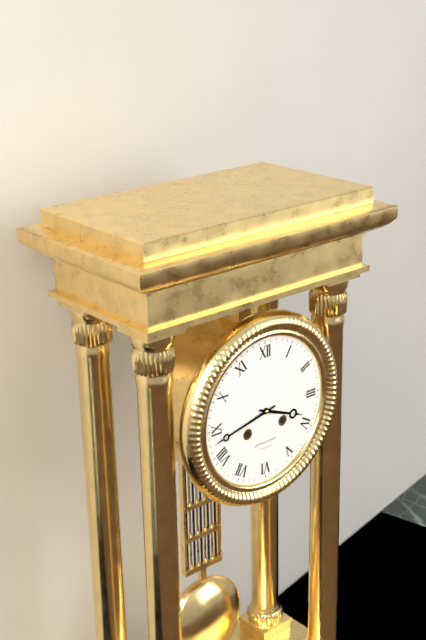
{"hour": 3, "minute": 43}
